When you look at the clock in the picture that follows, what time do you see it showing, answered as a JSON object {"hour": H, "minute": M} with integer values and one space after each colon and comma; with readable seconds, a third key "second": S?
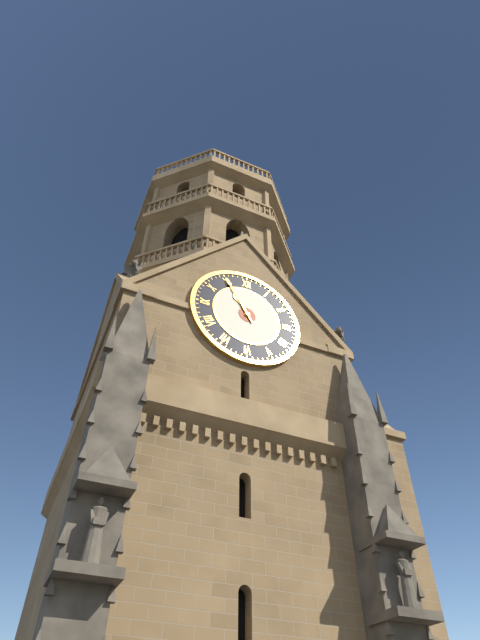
{"hour": 10, "minute": 55}
